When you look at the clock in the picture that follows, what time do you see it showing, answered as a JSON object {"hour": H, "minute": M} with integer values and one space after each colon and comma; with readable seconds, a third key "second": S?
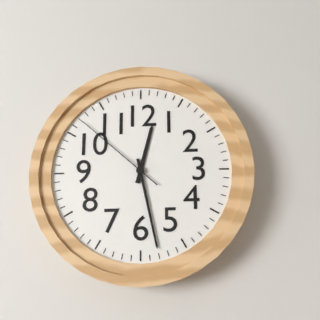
{"hour": 12, "minute": 28, "second": 52}
